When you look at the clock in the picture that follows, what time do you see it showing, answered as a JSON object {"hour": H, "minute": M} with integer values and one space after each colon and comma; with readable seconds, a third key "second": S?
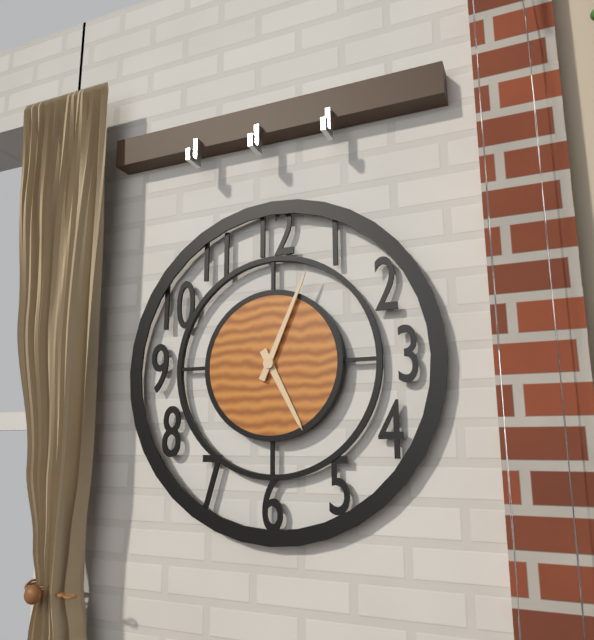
{"hour": 5, "minute": 4}
